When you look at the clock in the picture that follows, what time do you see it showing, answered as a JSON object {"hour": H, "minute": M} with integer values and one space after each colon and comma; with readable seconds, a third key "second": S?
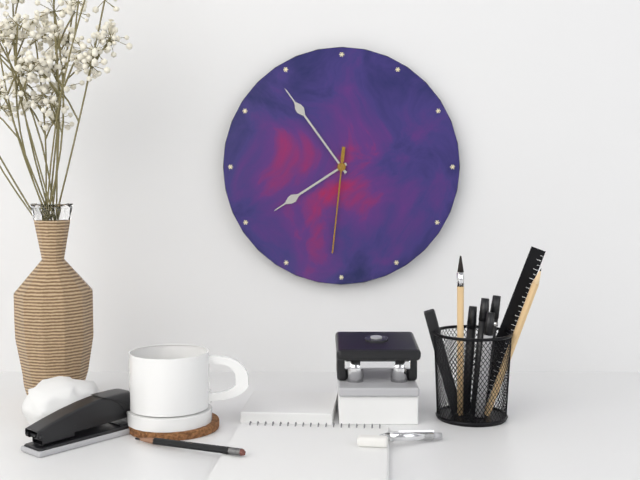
{"hour": 7, "minute": 54, "second": 31}
